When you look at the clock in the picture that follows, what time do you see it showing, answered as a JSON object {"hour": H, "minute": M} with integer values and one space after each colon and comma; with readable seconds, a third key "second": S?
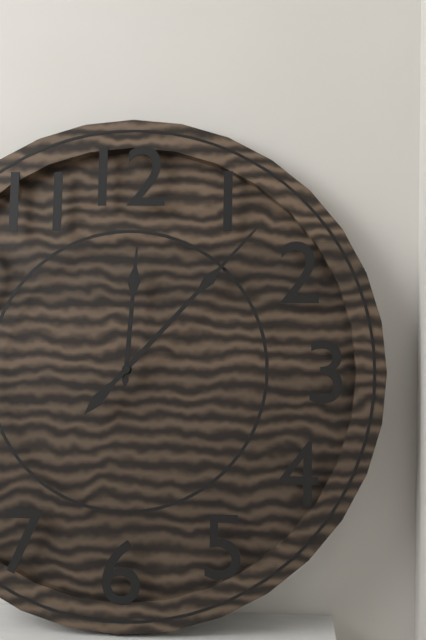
{"hour": 12, "minute": 7}
